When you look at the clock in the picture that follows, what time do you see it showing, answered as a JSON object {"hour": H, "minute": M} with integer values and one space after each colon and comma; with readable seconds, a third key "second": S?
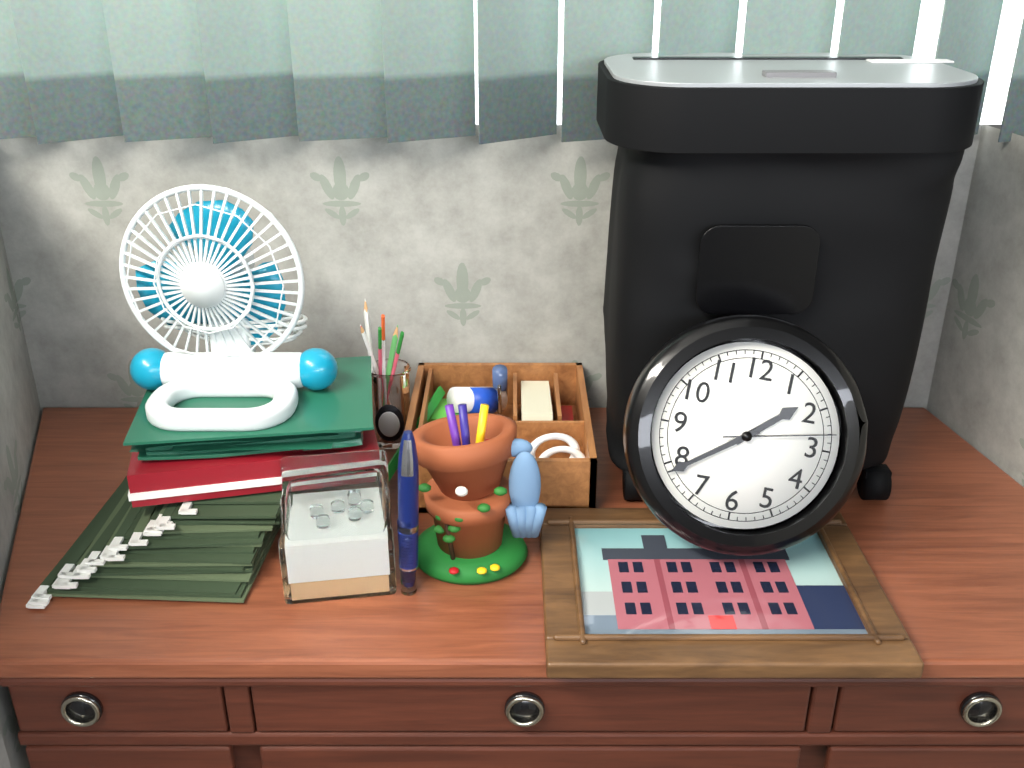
{"hour": 1, "minute": 39, "second": 13}
